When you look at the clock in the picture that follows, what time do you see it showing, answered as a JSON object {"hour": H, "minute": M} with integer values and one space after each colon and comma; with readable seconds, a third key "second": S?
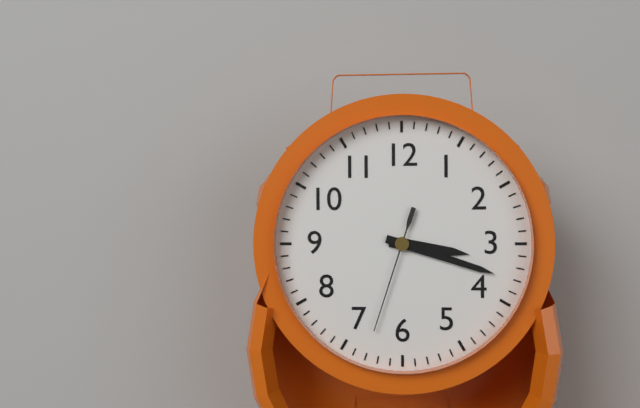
{"hour": 3, "minute": 18, "second": 33}
